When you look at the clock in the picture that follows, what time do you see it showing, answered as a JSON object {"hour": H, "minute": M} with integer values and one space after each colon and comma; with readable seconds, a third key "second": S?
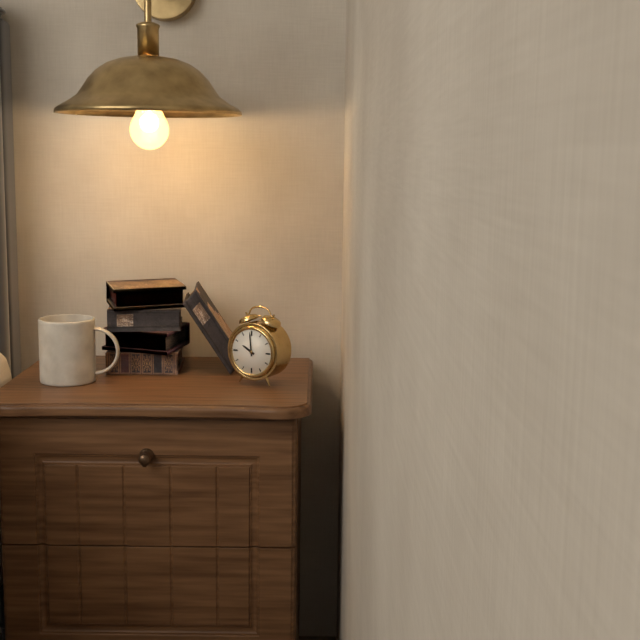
{"hour": 9, "minute": 59}
